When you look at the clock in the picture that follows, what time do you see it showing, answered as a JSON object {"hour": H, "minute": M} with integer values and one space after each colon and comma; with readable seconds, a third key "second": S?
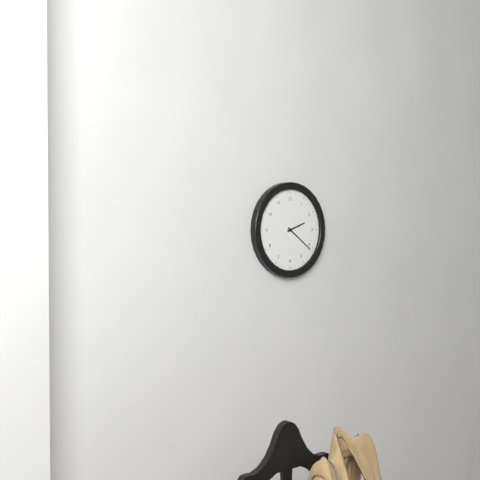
{"hour": 2, "minute": 21}
